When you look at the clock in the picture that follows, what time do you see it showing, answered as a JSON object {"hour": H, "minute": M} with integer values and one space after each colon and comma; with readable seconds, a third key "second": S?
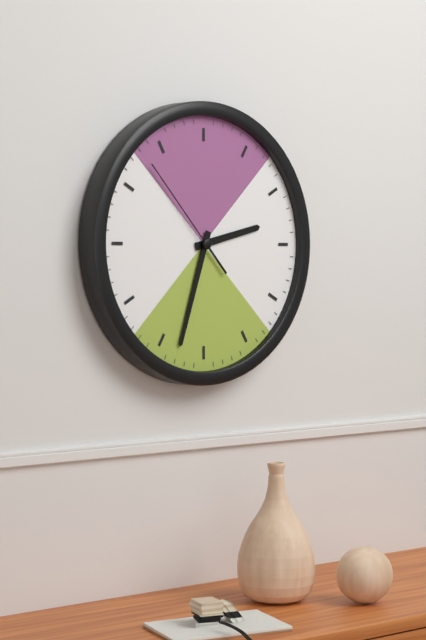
{"hour": 2, "minute": 33, "second": 53}
